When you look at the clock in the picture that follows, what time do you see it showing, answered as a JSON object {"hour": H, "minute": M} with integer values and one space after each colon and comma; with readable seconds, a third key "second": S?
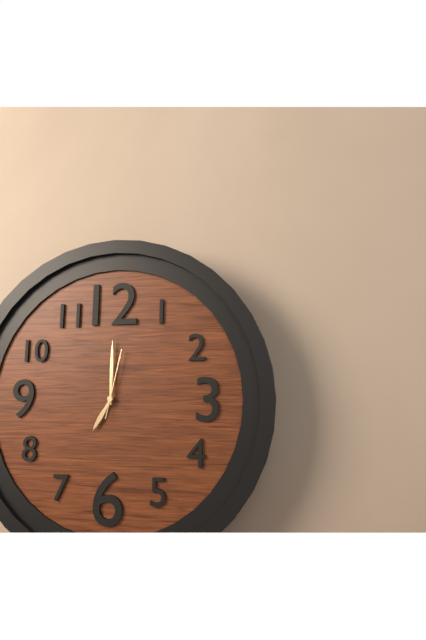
{"hour": 7, "minute": 0, "second": 2}
